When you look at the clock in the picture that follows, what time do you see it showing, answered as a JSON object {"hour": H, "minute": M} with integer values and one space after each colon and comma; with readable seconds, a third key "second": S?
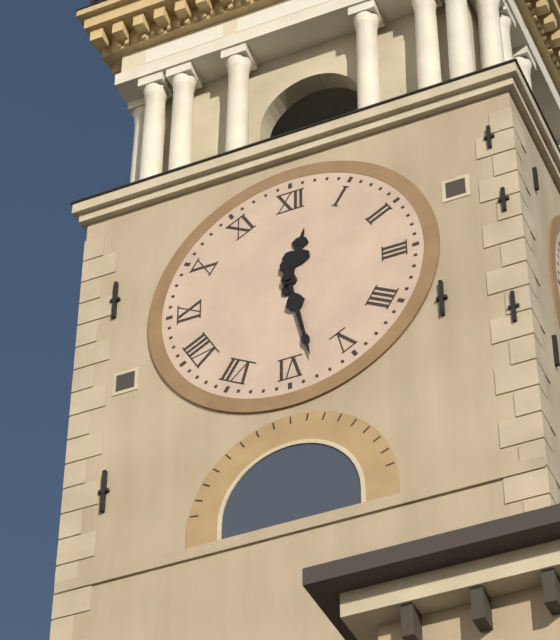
{"hour": 12, "minute": 28}
